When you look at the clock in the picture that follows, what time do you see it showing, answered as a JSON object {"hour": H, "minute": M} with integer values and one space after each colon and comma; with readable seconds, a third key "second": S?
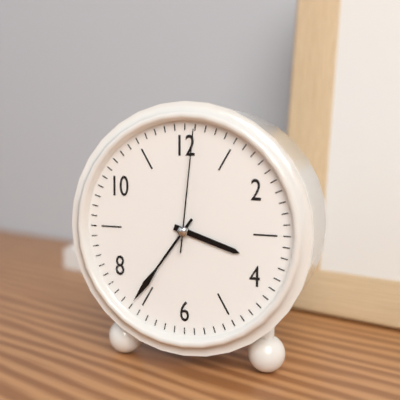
{"hour": 3, "minute": 36, "second": 1}
